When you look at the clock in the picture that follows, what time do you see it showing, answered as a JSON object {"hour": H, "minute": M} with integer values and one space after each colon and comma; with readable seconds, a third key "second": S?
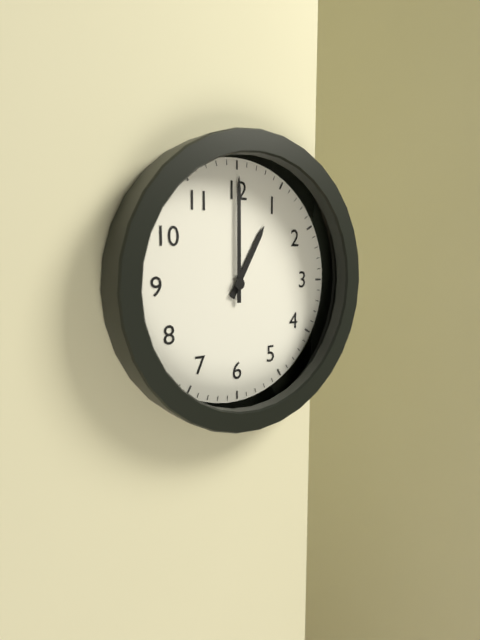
{"hour": 1, "minute": 0}
